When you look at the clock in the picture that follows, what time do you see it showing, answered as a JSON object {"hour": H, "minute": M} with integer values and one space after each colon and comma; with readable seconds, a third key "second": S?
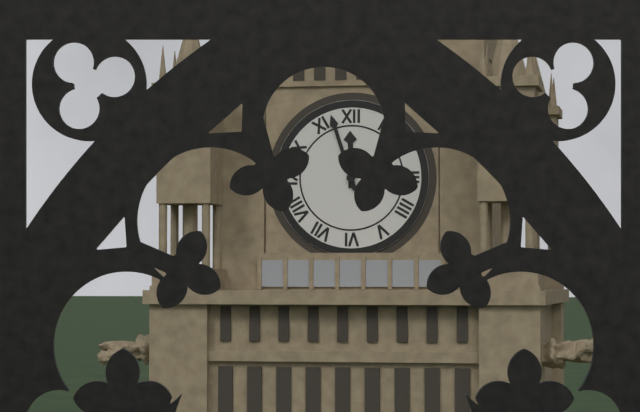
{"hour": 11, "minute": 57}
